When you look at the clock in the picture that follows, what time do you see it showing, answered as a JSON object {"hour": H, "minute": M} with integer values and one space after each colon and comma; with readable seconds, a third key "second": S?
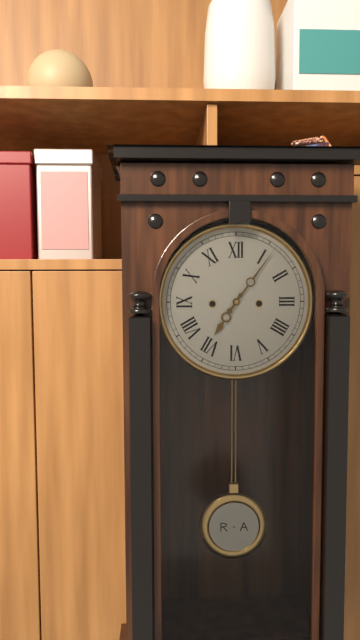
{"hour": 7, "minute": 6}
